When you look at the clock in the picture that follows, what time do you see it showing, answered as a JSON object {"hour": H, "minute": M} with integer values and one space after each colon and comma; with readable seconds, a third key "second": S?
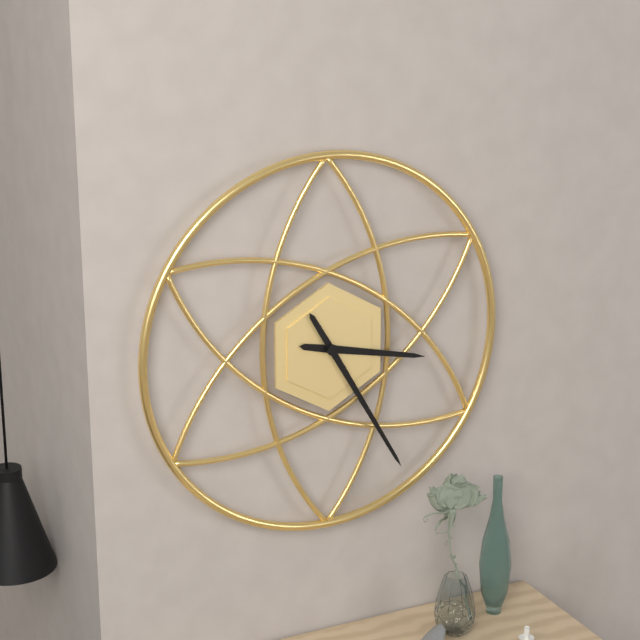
{"hour": 3, "minute": 25}
